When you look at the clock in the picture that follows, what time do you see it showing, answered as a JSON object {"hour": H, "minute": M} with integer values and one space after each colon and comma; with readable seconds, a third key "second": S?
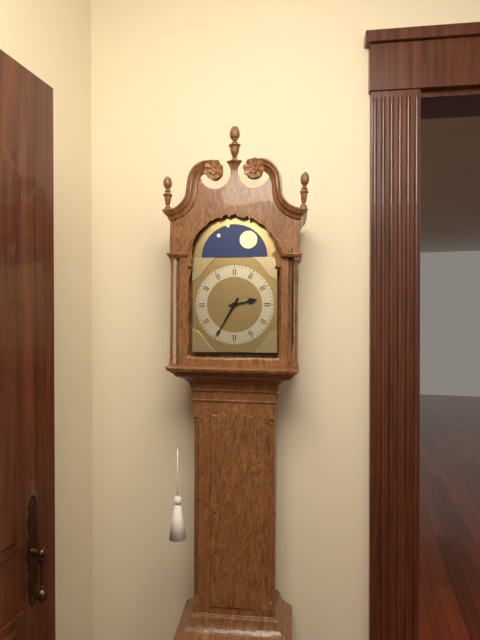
{"hour": 2, "minute": 35}
